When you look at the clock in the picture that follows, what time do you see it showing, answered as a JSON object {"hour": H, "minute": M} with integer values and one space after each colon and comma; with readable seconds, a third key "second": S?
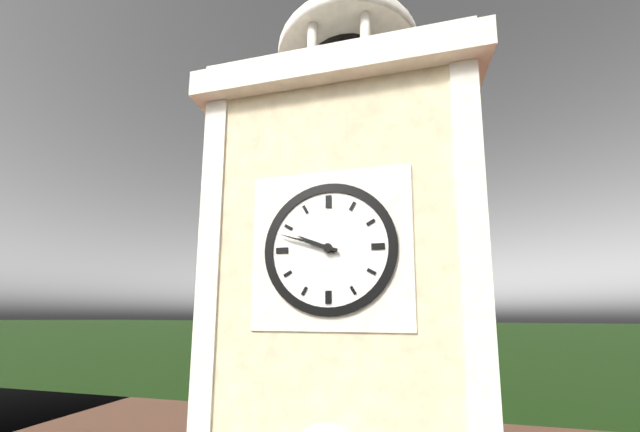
{"hour": 9, "minute": 48}
